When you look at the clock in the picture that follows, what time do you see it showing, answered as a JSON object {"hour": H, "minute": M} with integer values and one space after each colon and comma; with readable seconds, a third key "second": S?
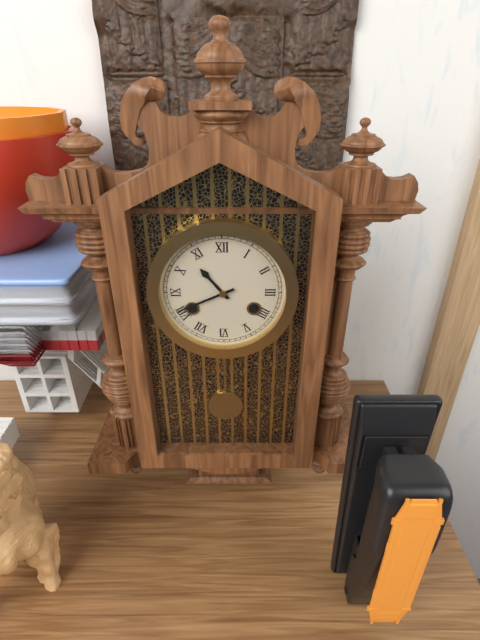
{"hour": 10, "minute": 41}
